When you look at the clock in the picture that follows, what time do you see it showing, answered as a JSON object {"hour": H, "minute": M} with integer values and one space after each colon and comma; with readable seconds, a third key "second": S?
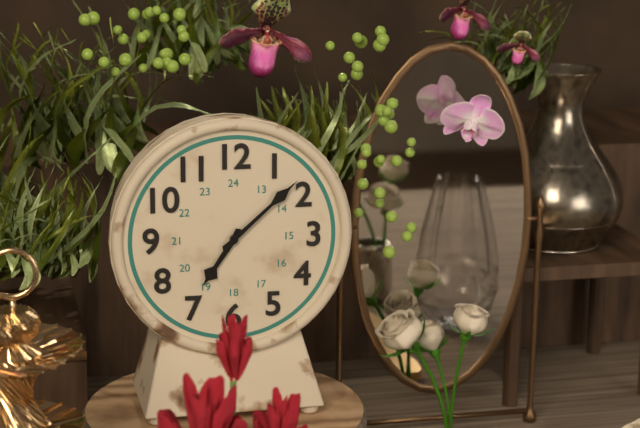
{"hour": 7, "minute": 8}
